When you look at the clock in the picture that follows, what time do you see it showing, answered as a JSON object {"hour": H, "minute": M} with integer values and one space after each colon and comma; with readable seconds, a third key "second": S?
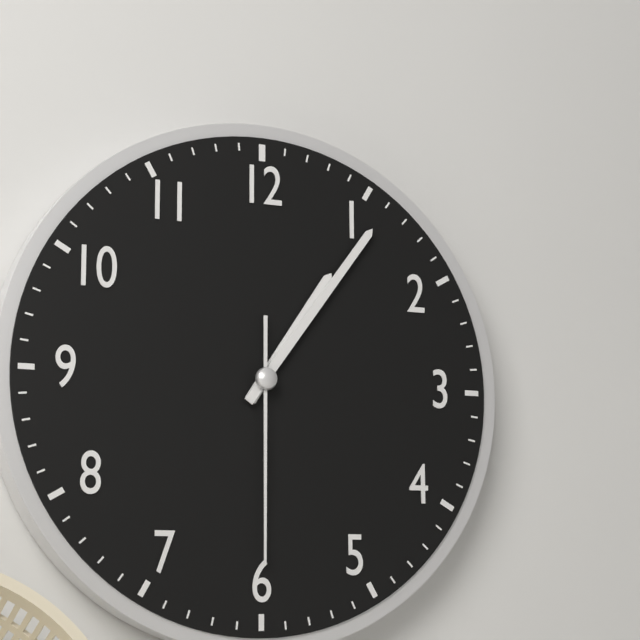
{"hour": 1, "minute": 6, "second": 30}
